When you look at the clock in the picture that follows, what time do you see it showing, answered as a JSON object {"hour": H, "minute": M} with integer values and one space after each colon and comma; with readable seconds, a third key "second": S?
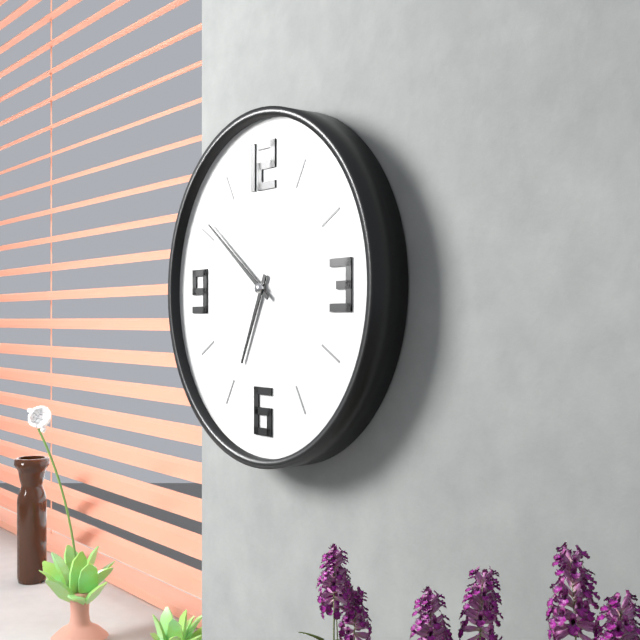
{"hour": 6, "minute": 51}
